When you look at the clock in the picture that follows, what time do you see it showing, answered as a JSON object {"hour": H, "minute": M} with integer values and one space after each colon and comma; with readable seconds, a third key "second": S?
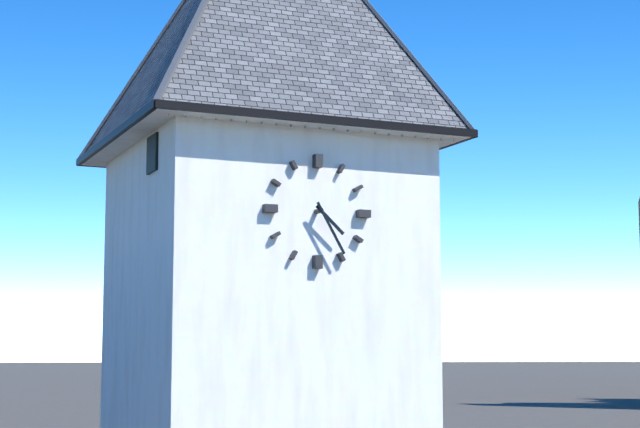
{"hour": 4, "minute": 25}
